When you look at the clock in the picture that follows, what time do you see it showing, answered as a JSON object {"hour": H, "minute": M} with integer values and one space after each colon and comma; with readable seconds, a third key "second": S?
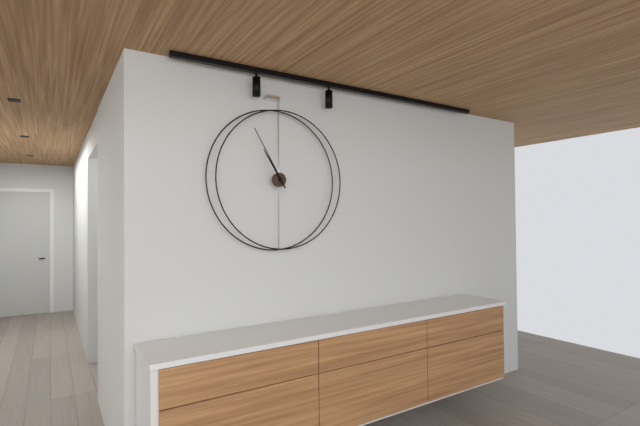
{"hour": 10, "minute": 55}
